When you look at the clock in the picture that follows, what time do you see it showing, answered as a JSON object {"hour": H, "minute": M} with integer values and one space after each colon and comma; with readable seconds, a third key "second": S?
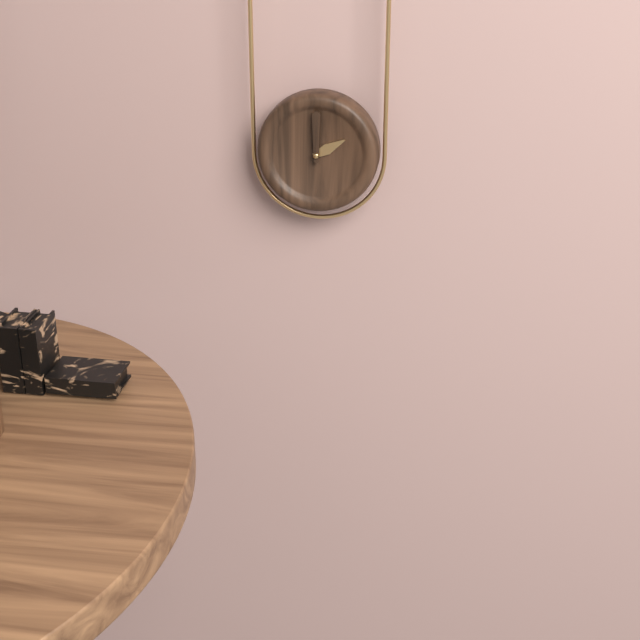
{"hour": 2, "minute": 0}
